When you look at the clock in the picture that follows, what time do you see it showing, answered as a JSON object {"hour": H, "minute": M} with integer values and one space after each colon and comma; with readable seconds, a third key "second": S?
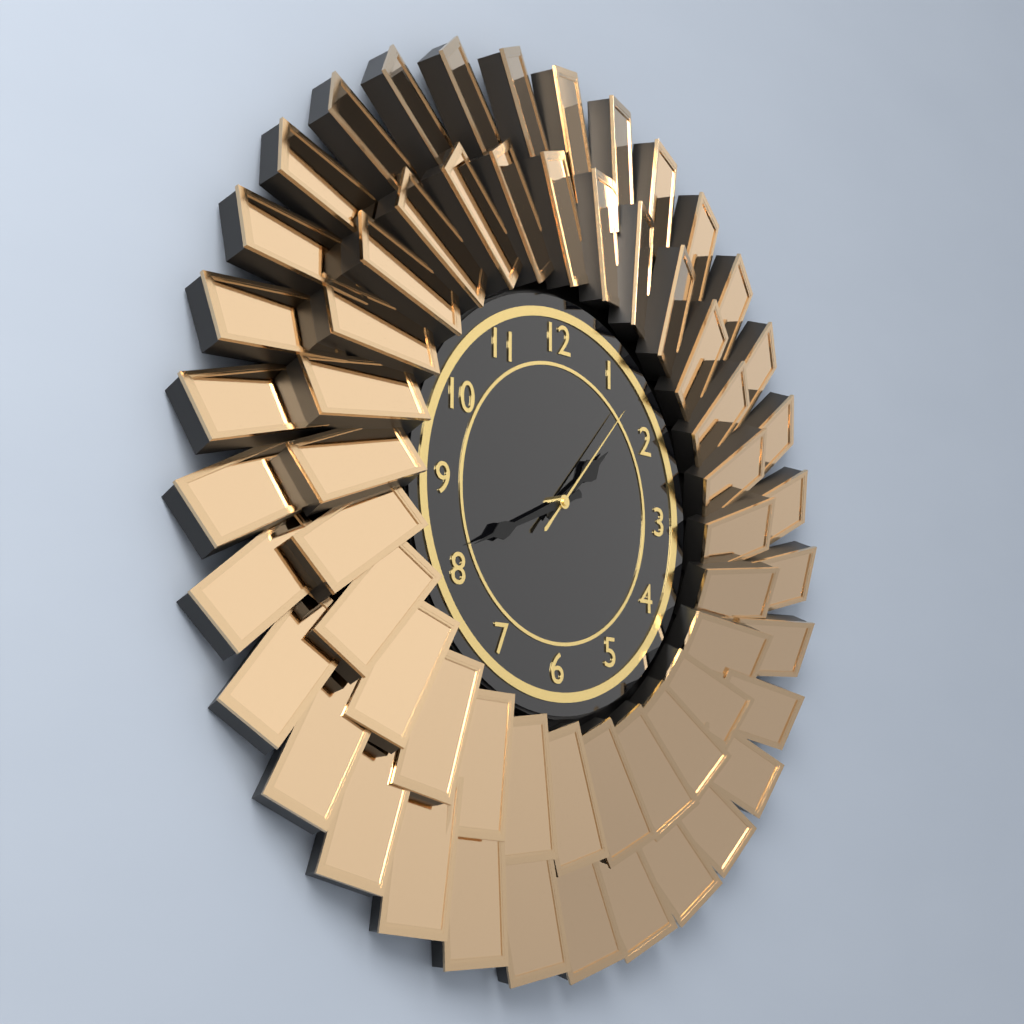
{"hour": 1, "minute": 41, "second": 7}
